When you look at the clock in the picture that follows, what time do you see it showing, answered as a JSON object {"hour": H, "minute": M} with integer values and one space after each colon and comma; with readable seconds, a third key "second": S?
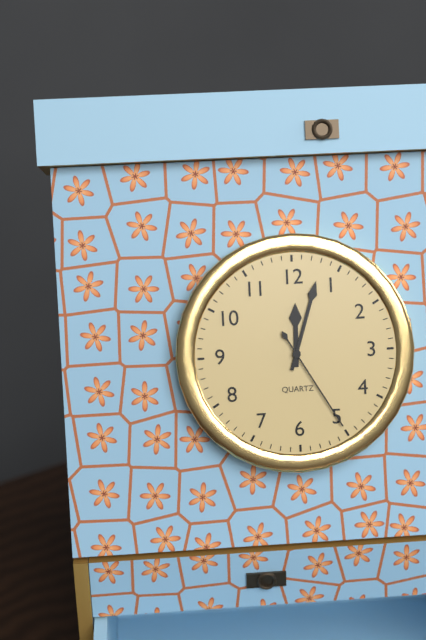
{"hour": 12, "minute": 3, "second": 25}
